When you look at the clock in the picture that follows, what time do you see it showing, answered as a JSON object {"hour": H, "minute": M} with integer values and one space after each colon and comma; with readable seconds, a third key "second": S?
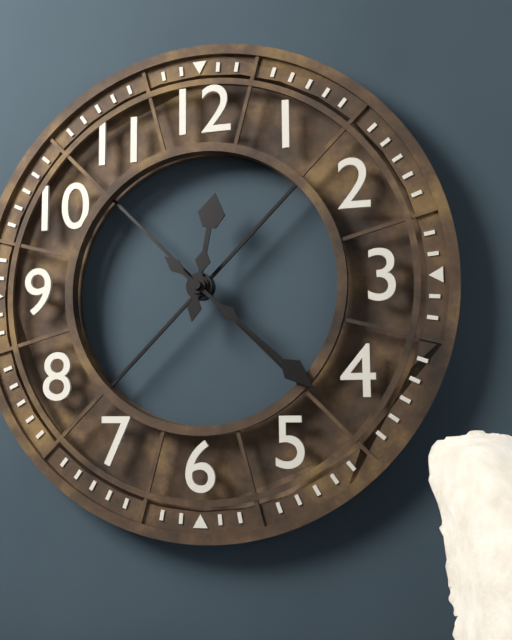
{"hour": 12, "minute": 22}
